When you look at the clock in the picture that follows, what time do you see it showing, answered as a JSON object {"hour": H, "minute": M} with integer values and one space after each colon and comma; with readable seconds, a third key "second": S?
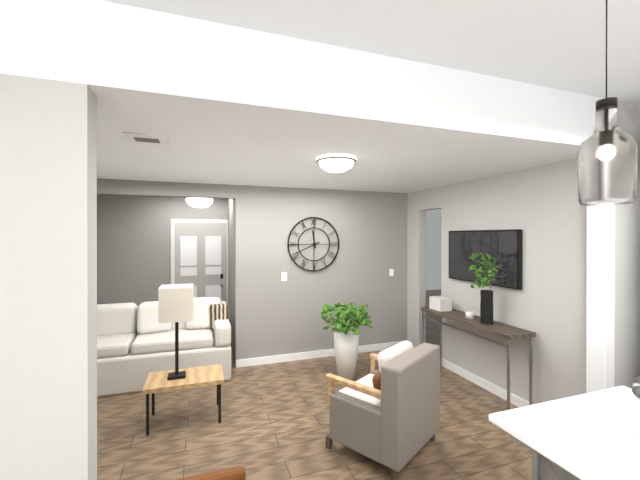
{"hour": 11, "minute": 41}
